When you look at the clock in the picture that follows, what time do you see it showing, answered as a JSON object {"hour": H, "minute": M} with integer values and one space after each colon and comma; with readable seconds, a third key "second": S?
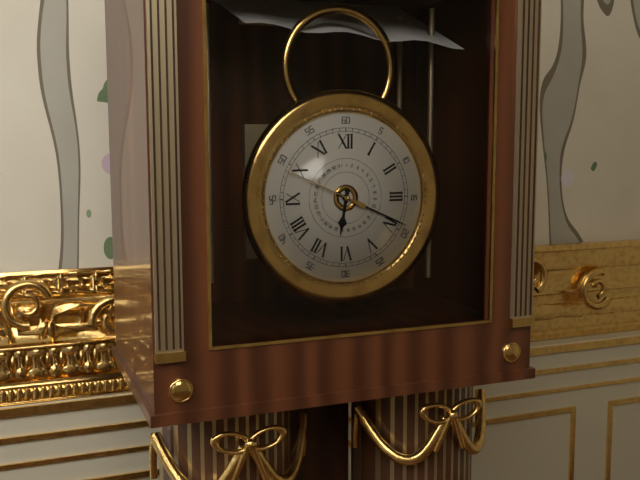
{"hour": 6, "minute": 19, "second": 49}
